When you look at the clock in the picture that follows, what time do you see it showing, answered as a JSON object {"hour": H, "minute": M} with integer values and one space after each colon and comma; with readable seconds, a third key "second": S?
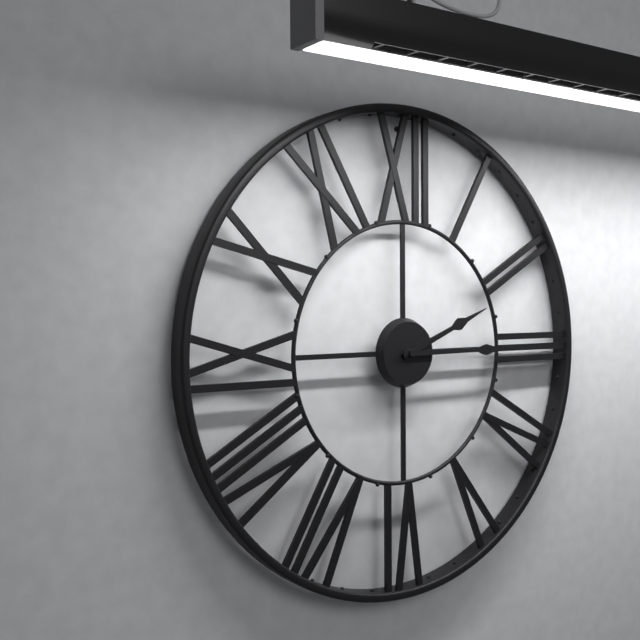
{"hour": 2, "minute": 15}
